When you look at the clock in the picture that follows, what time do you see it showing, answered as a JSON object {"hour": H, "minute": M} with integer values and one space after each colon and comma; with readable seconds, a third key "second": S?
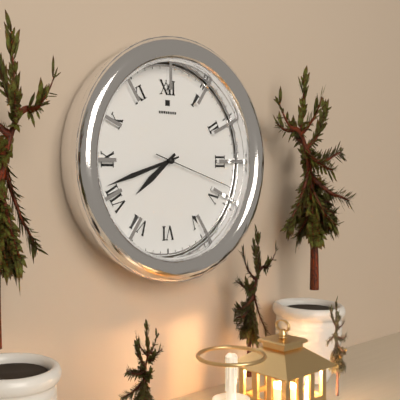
{"hour": 7, "minute": 42, "second": 18}
